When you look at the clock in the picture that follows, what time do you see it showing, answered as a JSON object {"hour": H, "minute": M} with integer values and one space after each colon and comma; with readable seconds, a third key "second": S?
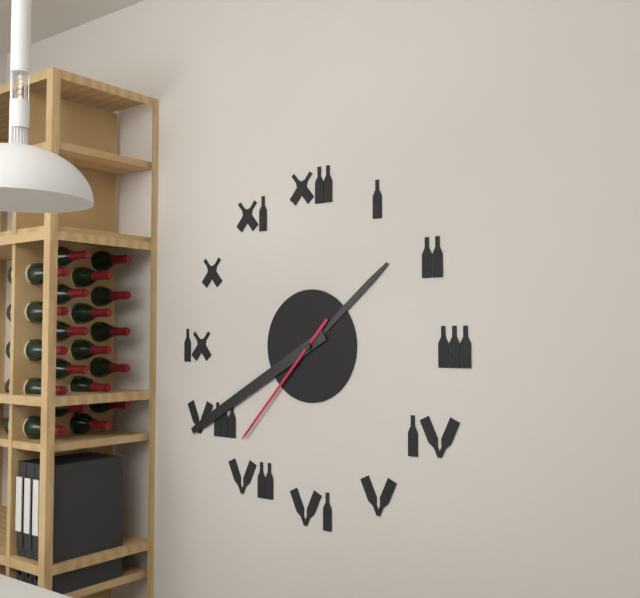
{"hour": 1, "minute": 40, "second": 37}
